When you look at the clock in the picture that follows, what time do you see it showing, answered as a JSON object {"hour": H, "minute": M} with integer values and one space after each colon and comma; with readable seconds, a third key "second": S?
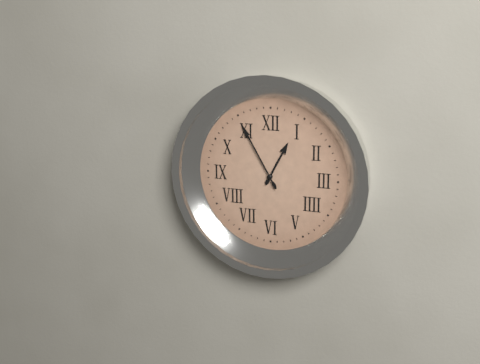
{"hour": 12, "minute": 55}
